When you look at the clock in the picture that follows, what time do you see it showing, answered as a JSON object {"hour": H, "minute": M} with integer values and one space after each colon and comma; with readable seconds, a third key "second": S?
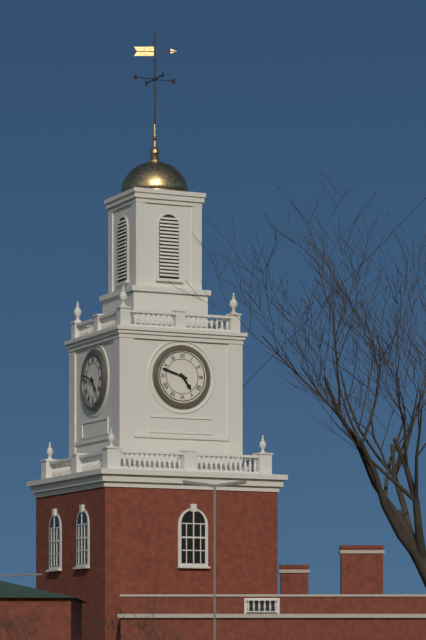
{"hour": 4, "minute": 48}
